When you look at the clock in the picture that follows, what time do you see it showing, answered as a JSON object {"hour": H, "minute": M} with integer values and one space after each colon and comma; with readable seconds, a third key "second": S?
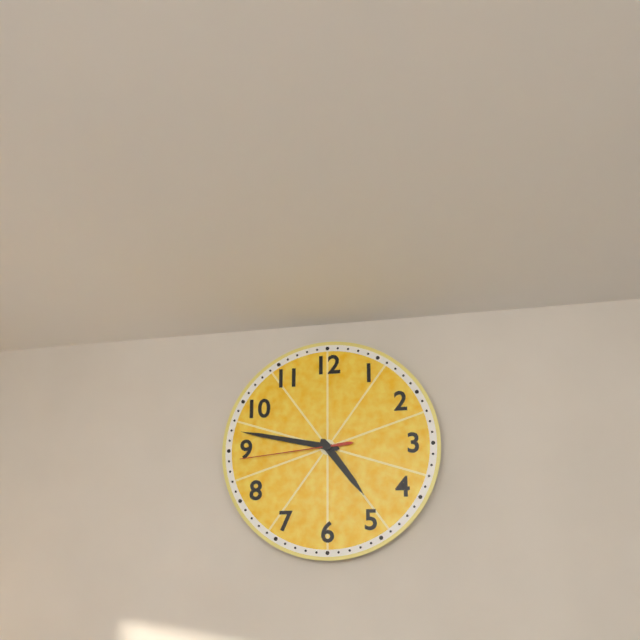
{"hour": 4, "minute": 47, "second": 44}
